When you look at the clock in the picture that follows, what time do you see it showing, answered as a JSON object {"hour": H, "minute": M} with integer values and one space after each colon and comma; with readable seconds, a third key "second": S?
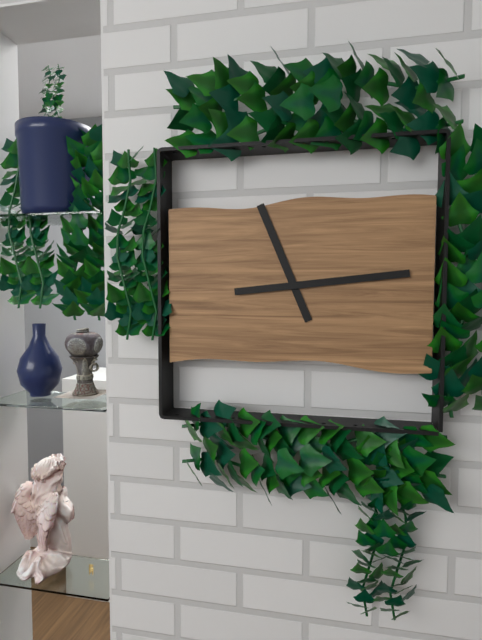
{"hour": 11, "minute": 14}
